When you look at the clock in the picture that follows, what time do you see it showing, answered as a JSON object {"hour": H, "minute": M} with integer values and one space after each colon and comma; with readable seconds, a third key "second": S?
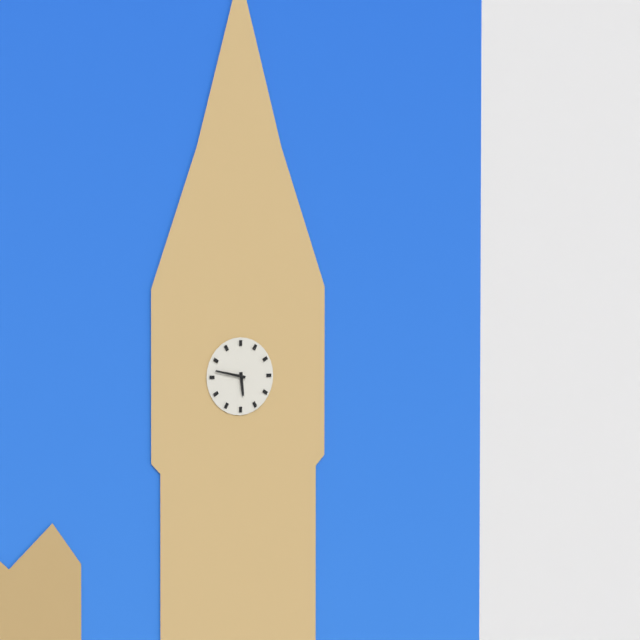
{"hour": 5, "minute": 47}
